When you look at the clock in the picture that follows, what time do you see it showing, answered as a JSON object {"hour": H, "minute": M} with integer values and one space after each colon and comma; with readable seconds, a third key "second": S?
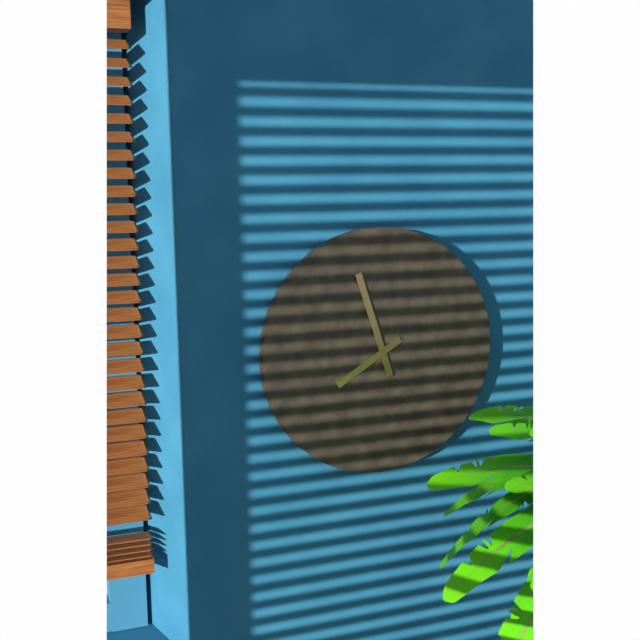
{"hour": 7, "minute": 57}
